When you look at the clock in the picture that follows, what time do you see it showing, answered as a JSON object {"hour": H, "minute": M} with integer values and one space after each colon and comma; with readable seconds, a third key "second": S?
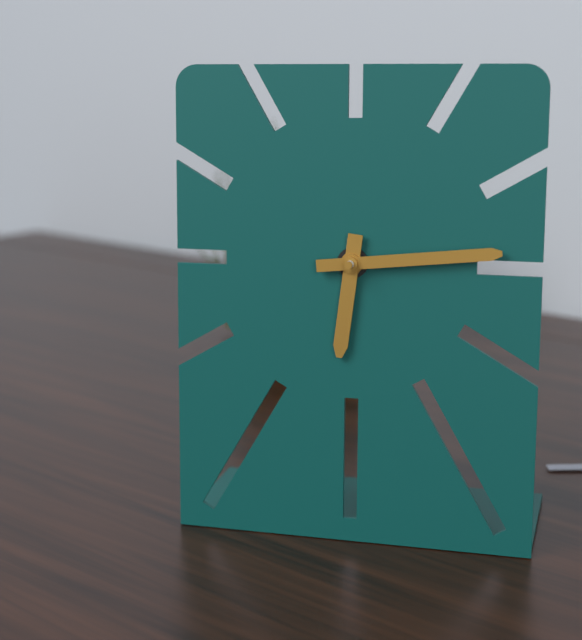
{"hour": 6, "minute": 14}
